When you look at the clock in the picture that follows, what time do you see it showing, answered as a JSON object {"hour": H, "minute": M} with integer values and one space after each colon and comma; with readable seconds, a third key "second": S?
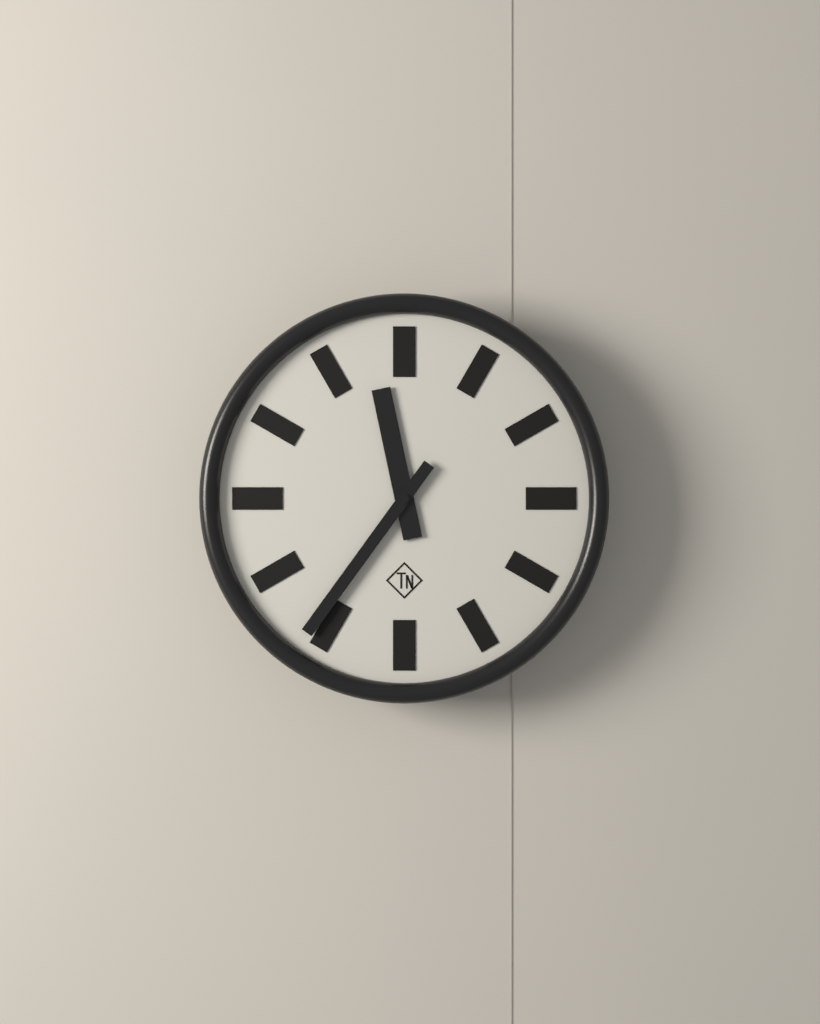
{"hour": 11, "minute": 36}
